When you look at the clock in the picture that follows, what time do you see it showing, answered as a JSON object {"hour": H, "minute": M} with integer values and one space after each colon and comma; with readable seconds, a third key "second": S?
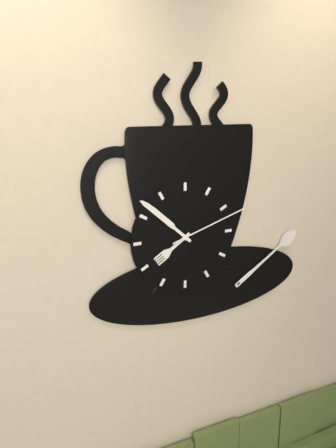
{"hour": 7, "minute": 52, "second": 12}
